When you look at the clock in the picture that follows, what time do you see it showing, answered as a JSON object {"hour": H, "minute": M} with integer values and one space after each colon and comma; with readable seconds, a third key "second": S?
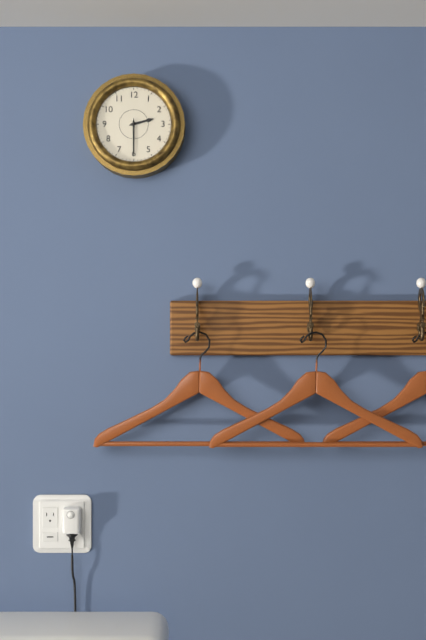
{"hour": 2, "minute": 30}
